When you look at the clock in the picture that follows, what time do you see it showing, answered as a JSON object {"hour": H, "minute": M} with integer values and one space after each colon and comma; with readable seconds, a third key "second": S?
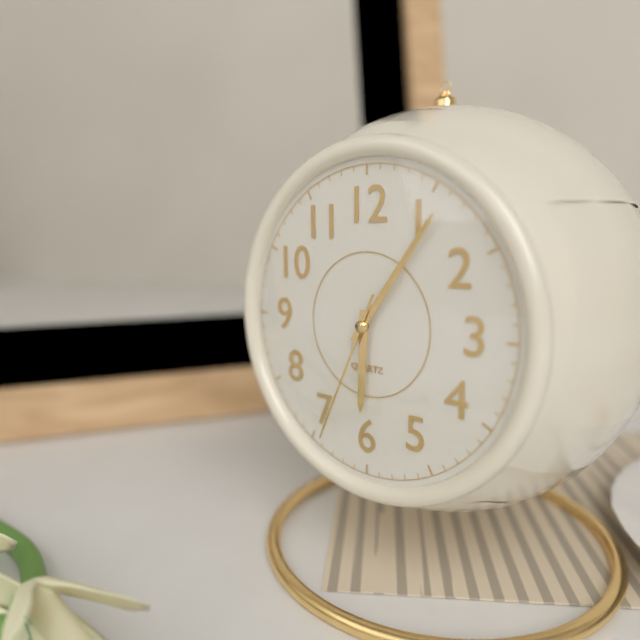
{"hour": 6, "minute": 6, "second": 34}
